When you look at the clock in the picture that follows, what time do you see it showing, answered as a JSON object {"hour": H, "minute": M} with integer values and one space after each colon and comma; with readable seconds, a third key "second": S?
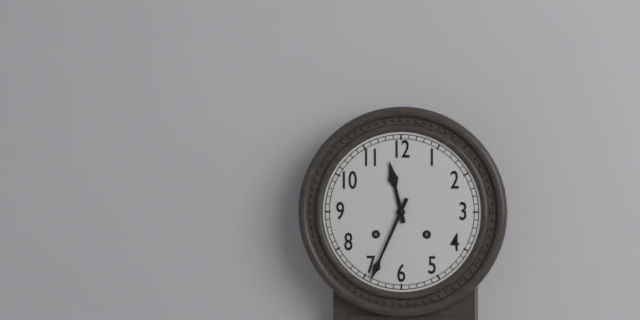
{"hour": 11, "minute": 34}
